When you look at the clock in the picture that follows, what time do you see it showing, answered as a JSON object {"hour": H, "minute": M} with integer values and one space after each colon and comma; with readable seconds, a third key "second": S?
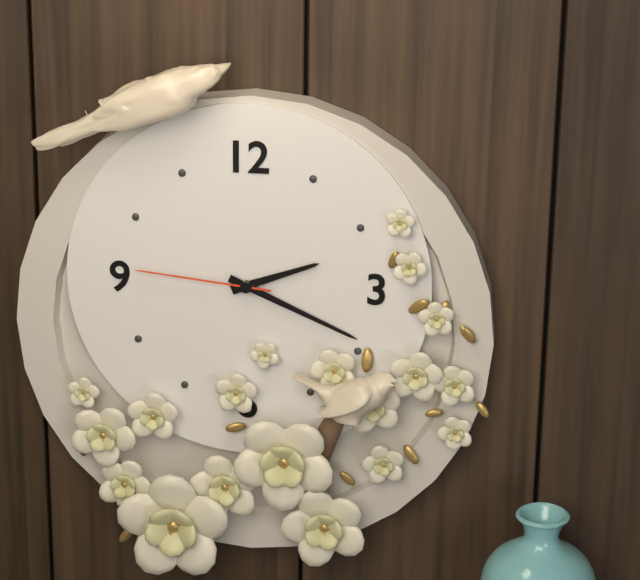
{"hour": 2, "minute": 19, "second": 46}
